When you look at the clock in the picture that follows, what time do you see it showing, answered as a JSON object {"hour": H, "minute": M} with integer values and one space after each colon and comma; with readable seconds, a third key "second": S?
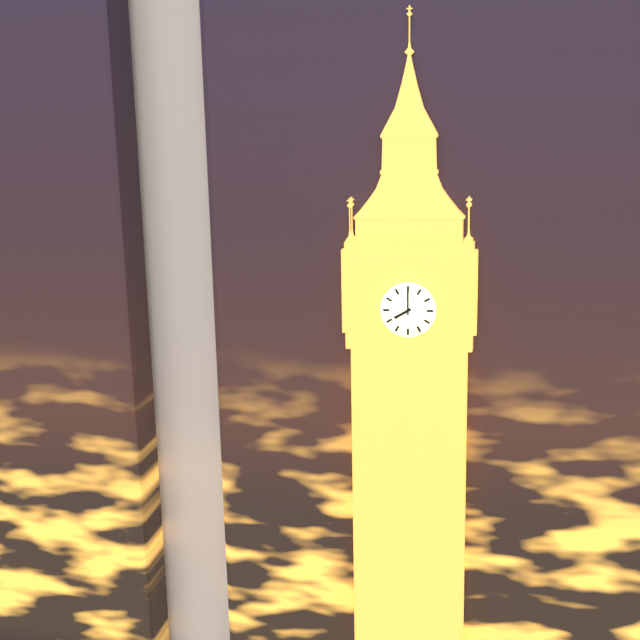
{"hour": 8, "minute": 0}
